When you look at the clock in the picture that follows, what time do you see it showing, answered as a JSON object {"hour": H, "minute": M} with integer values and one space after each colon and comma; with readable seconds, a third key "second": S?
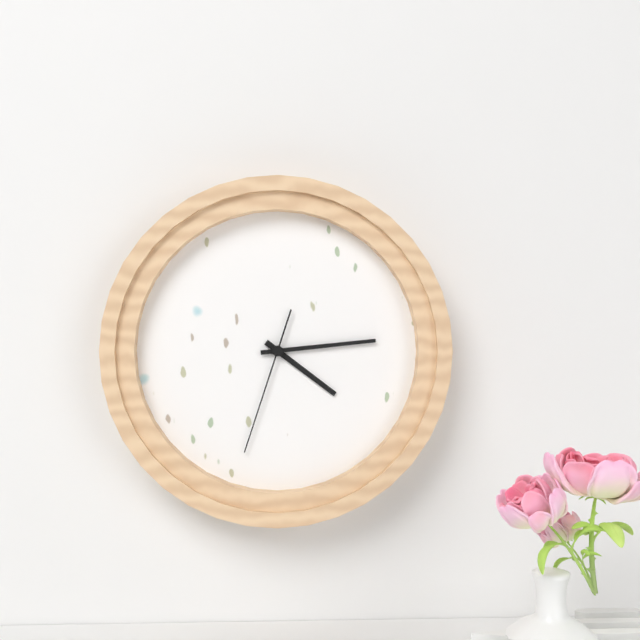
{"hour": 4, "minute": 14, "second": 33}
